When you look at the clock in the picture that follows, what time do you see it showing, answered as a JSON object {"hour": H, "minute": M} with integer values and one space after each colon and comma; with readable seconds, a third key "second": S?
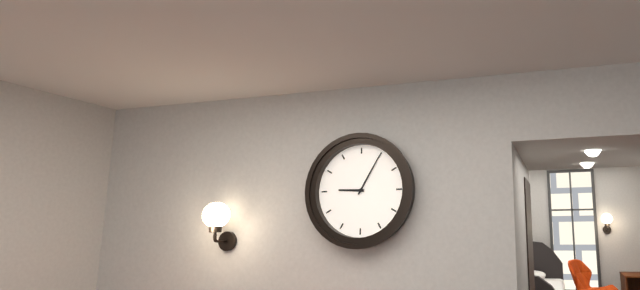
{"hour": 9, "minute": 5}
